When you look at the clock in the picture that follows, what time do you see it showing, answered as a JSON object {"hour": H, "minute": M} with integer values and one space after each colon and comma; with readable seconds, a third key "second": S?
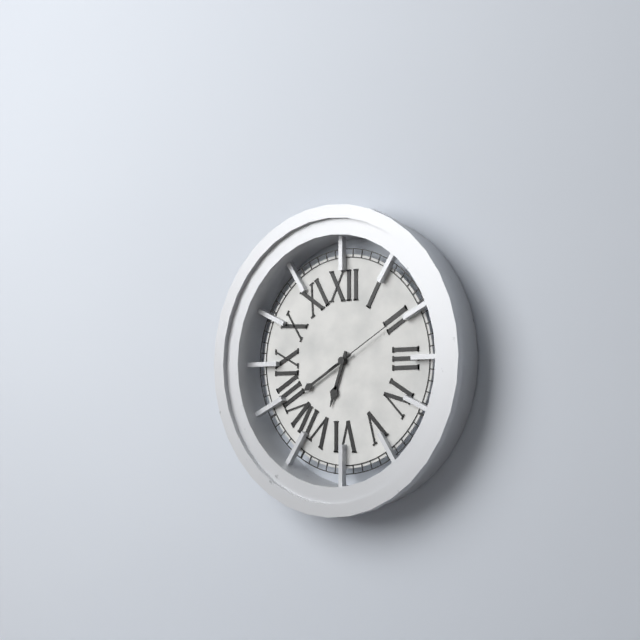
{"hour": 6, "minute": 40, "second": 10}
